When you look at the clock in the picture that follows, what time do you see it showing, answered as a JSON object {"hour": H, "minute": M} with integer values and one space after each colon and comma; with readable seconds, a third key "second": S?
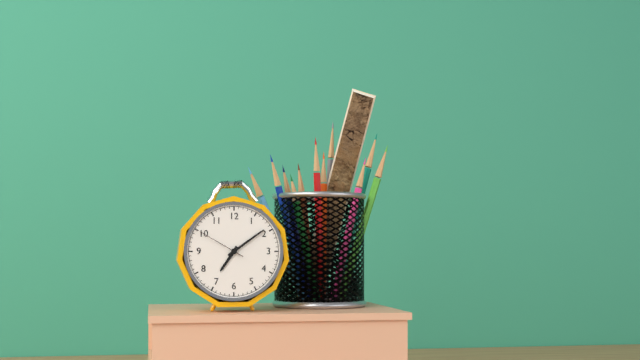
{"hour": 7, "minute": 9, "second": 50}
